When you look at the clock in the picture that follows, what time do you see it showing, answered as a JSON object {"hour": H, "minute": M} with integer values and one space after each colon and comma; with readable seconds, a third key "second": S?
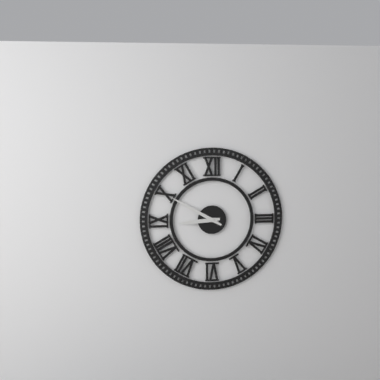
{"hour": 8, "minute": 50}
